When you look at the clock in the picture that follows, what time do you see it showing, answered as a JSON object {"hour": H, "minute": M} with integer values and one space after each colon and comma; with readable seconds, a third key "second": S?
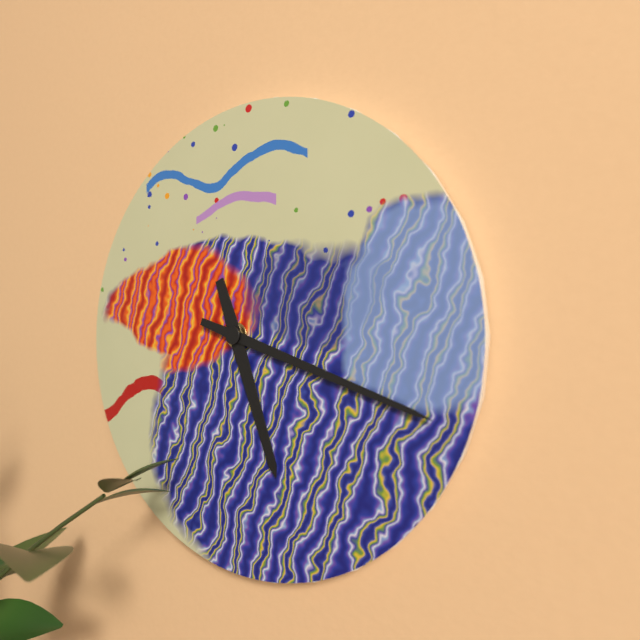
{"hour": 5, "minute": 18}
